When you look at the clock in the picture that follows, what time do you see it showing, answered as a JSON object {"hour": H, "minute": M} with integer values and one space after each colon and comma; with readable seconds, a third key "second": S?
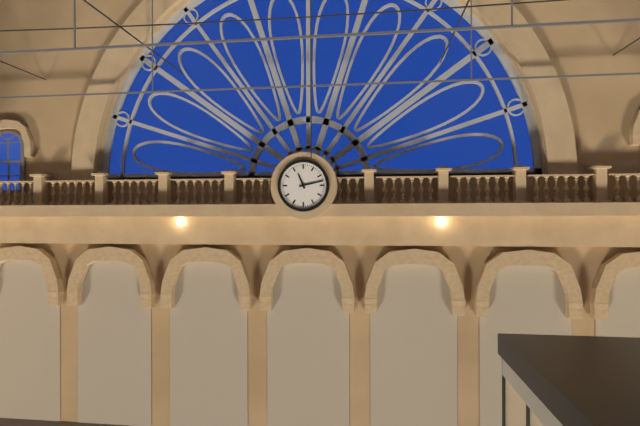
{"hour": 11, "minute": 13}
